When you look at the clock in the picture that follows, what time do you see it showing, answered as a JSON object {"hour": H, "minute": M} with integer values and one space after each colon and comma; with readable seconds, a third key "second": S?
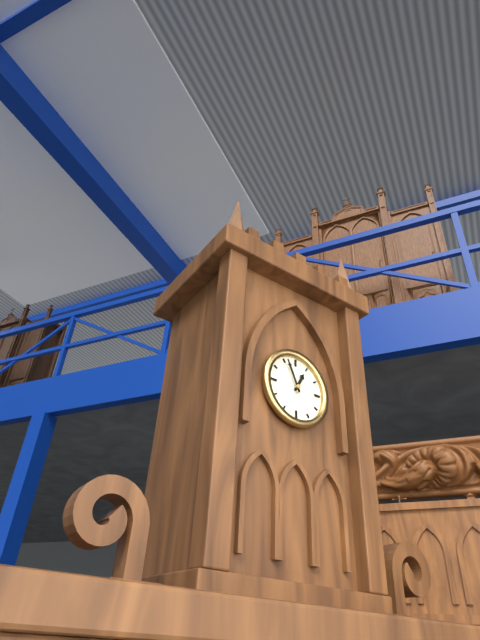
{"hour": 12, "minute": 56}
